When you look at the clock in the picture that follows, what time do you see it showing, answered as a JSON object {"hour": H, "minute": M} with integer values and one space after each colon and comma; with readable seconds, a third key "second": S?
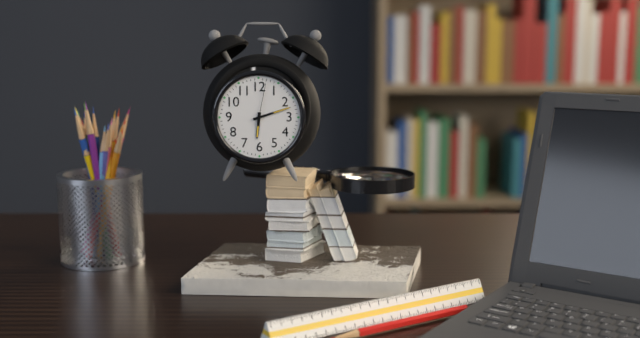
{"hour": 6, "minute": 12}
